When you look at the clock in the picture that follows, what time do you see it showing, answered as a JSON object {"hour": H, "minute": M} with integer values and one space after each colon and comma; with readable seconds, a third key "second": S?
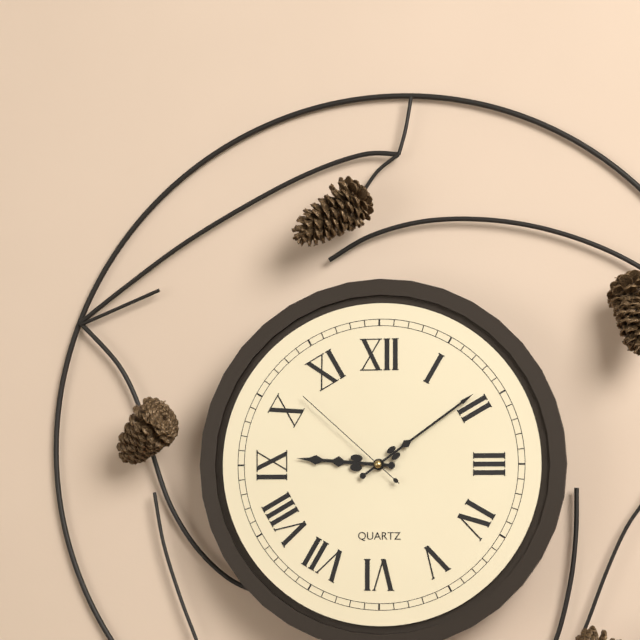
{"hour": 9, "minute": 9, "second": 52}
